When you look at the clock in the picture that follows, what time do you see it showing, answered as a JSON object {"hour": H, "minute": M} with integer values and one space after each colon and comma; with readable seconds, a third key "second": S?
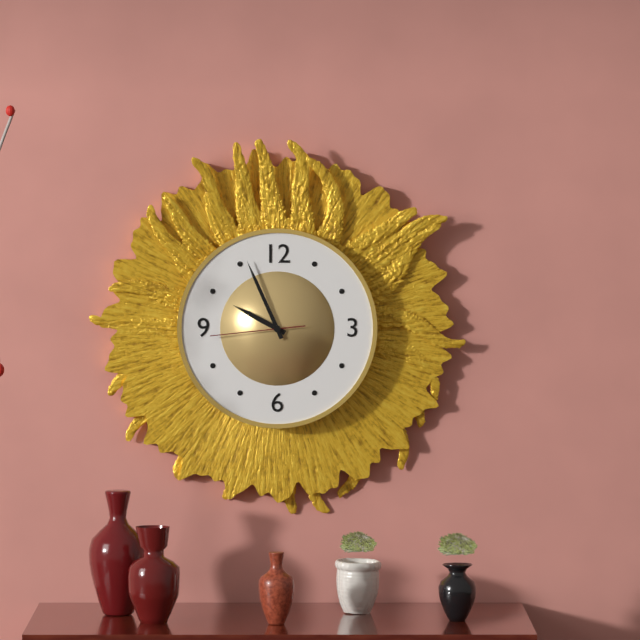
{"hour": 9, "minute": 56, "second": 44}
